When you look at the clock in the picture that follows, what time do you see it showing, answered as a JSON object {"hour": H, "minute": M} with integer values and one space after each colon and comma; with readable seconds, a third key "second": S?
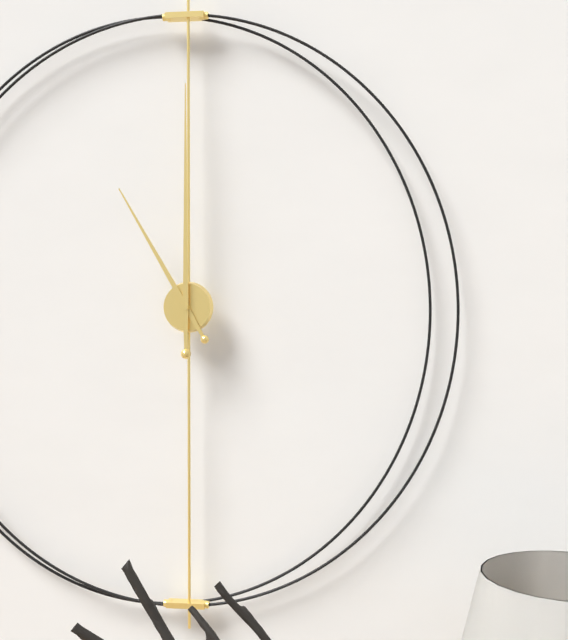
{"hour": 11, "minute": 0}
